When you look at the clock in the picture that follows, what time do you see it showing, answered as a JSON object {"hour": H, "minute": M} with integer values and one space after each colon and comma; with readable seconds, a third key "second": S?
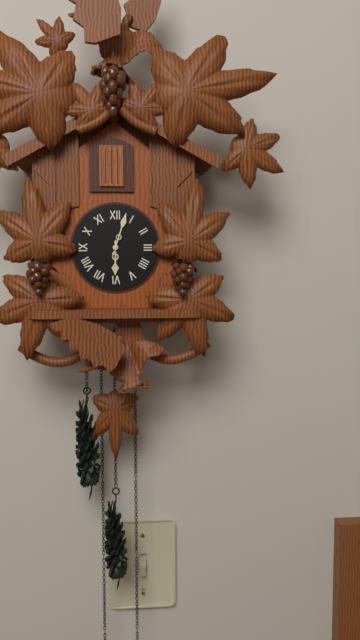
{"hour": 6, "minute": 3}
